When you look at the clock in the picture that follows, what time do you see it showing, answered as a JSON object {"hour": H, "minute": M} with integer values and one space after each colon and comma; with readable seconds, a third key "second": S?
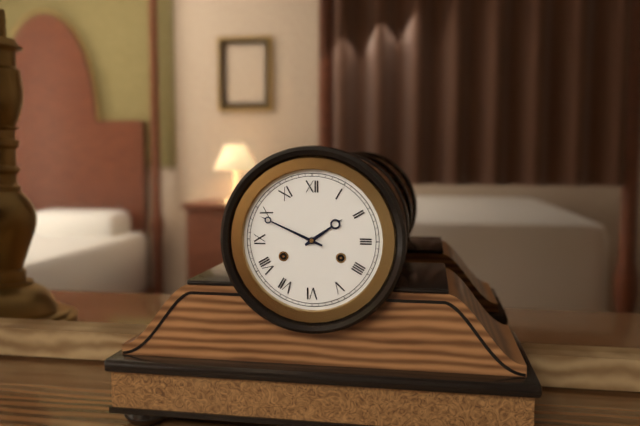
{"hour": 1, "minute": 49}
